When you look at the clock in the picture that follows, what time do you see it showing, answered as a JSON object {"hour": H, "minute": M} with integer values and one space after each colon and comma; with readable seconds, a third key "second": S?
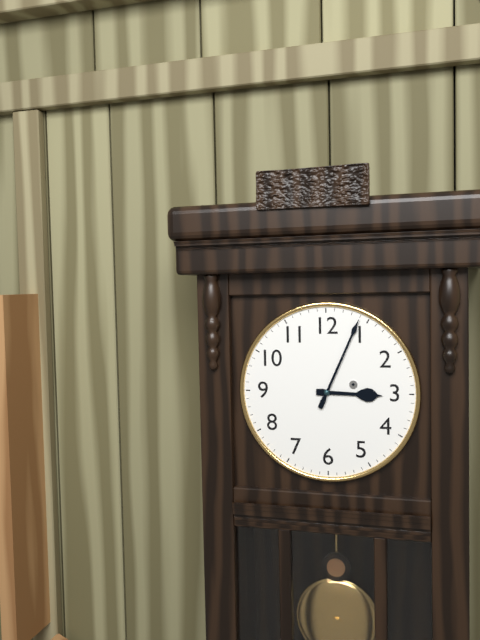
{"hour": 3, "minute": 4}
